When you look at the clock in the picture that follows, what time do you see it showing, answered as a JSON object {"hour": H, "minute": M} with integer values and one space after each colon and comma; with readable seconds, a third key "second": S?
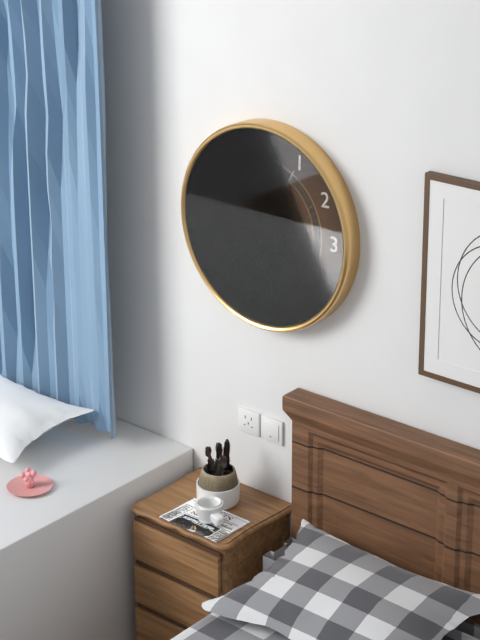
{"hour": 11, "minute": 53, "second": 5}
